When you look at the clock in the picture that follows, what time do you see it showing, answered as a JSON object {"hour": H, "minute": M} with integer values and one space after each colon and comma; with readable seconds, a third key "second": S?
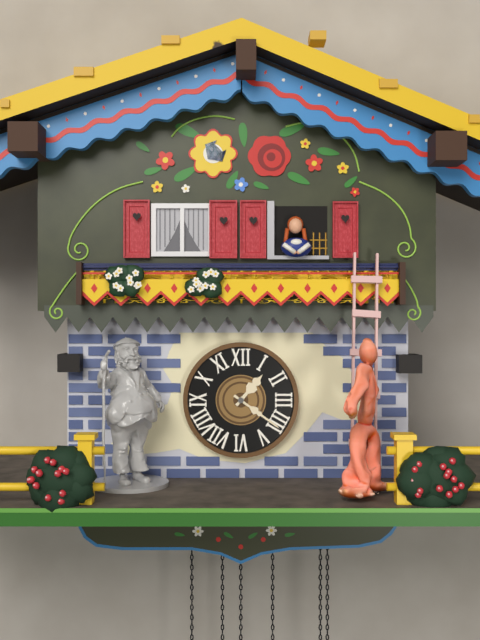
{"hour": 1, "minute": 21}
